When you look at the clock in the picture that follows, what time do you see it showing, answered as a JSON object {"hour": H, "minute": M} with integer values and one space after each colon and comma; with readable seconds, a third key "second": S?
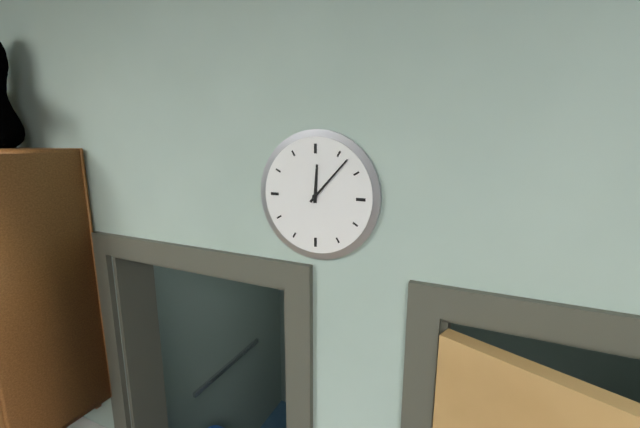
{"hour": 12, "minute": 7}
